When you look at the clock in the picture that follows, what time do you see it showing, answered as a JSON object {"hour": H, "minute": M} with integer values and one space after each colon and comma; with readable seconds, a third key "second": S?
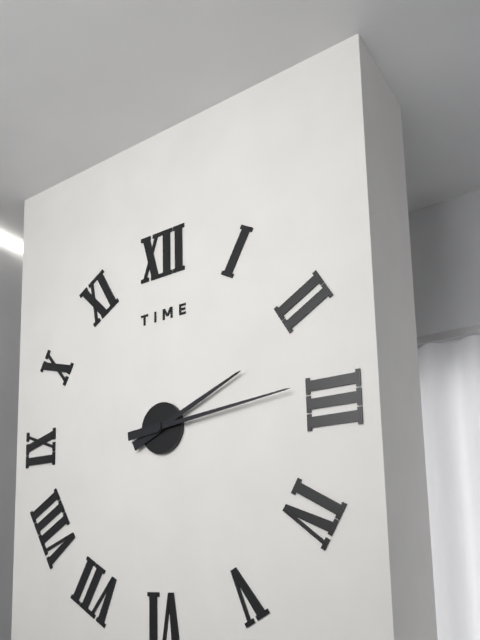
{"hour": 2, "minute": 14}
